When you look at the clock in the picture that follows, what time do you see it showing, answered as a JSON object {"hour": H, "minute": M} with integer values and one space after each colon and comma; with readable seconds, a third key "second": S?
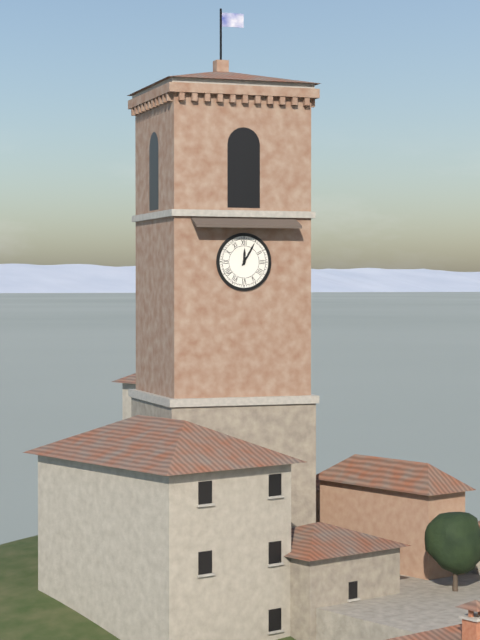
{"hour": 12, "minute": 5}
